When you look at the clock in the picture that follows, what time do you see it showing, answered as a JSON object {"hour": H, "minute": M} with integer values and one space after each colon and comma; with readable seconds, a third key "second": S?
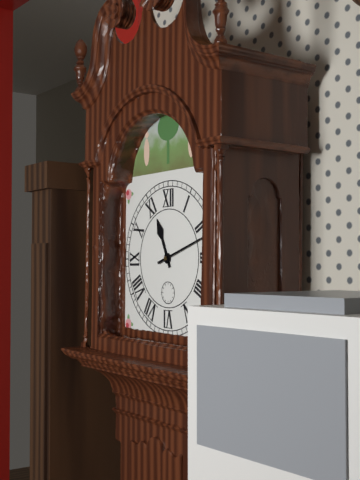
{"hour": 11, "minute": 12}
